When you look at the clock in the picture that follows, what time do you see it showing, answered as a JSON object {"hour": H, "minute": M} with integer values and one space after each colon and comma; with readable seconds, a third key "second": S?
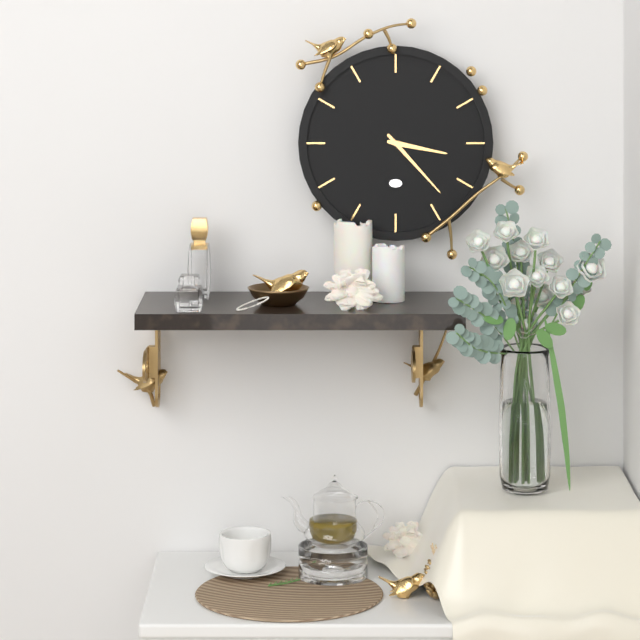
{"hour": 3, "minute": 23}
